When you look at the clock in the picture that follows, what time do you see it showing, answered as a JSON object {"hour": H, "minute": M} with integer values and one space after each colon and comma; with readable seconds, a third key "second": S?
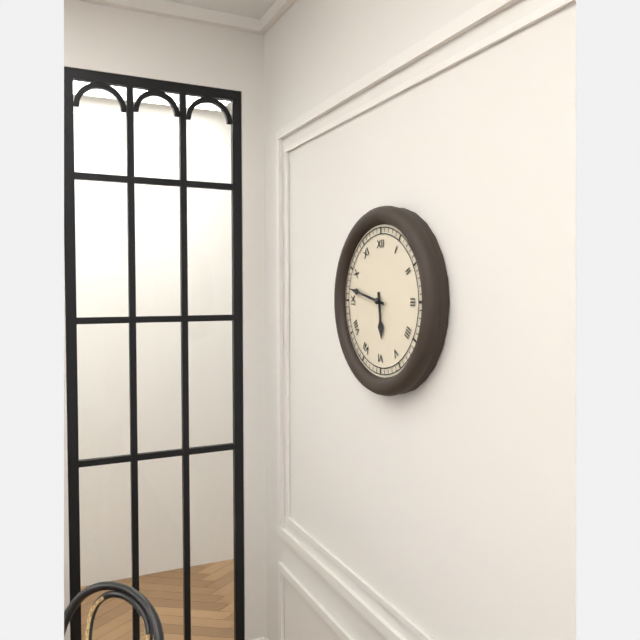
{"hour": 5, "minute": 47}
